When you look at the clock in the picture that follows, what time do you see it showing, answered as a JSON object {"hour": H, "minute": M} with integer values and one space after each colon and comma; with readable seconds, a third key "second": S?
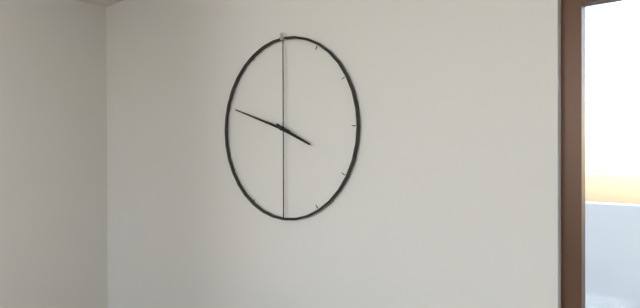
{"hour": 3, "minute": 48}
